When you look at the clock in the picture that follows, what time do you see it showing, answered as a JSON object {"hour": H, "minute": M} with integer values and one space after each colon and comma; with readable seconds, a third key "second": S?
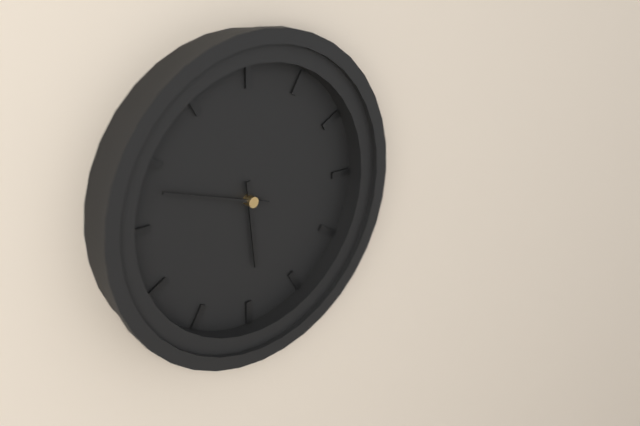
{"hour": 5, "minute": 48}
